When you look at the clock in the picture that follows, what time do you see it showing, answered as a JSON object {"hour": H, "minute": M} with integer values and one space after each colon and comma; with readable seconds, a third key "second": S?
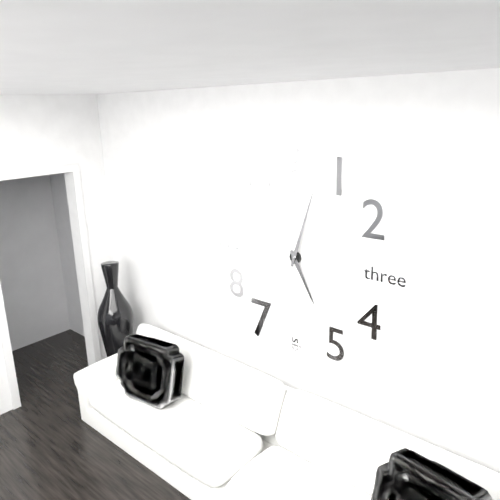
{"hour": 5, "minute": 3}
